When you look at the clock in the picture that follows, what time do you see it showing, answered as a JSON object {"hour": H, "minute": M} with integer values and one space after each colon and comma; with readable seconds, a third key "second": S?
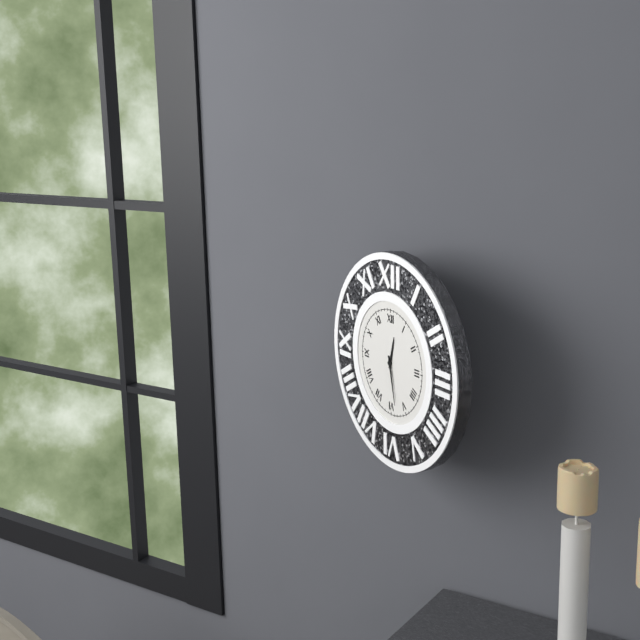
{"hour": 12, "minute": 28}
